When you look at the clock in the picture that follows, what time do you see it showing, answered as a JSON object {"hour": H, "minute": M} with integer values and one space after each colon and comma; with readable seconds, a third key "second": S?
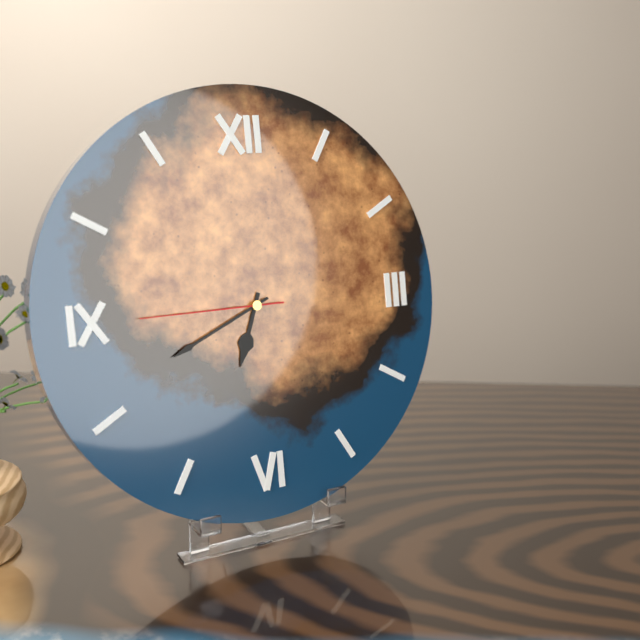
{"hour": 6, "minute": 41, "second": 45}
